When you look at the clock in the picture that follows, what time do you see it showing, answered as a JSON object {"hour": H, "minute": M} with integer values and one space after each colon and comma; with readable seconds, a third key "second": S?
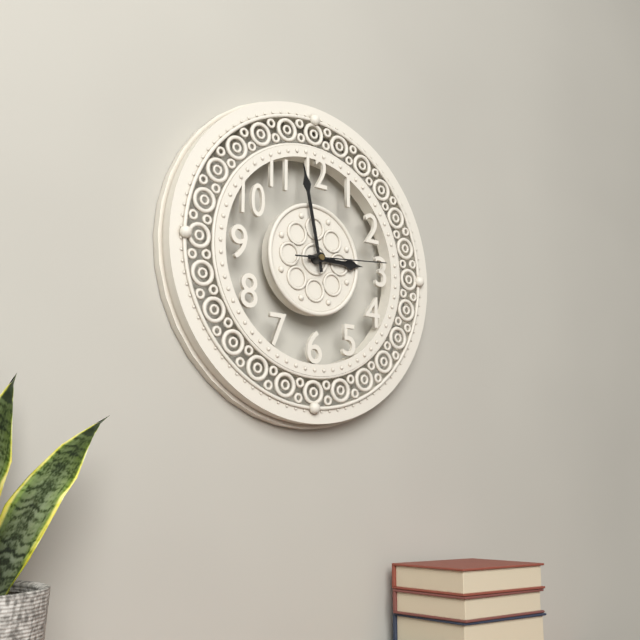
{"hour": 2, "minute": 58, "second": 14}
